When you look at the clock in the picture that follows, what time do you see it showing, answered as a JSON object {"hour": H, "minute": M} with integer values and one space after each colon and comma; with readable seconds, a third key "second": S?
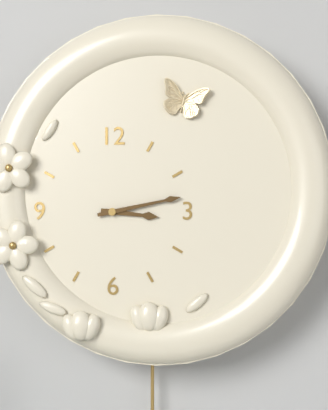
{"hour": 3, "minute": 13}
